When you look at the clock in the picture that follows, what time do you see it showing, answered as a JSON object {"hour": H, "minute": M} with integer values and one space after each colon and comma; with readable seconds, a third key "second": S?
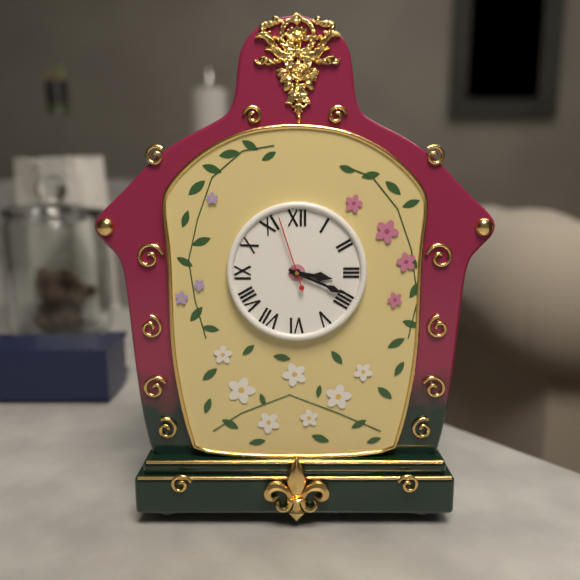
{"hour": 3, "minute": 19, "second": 57}
